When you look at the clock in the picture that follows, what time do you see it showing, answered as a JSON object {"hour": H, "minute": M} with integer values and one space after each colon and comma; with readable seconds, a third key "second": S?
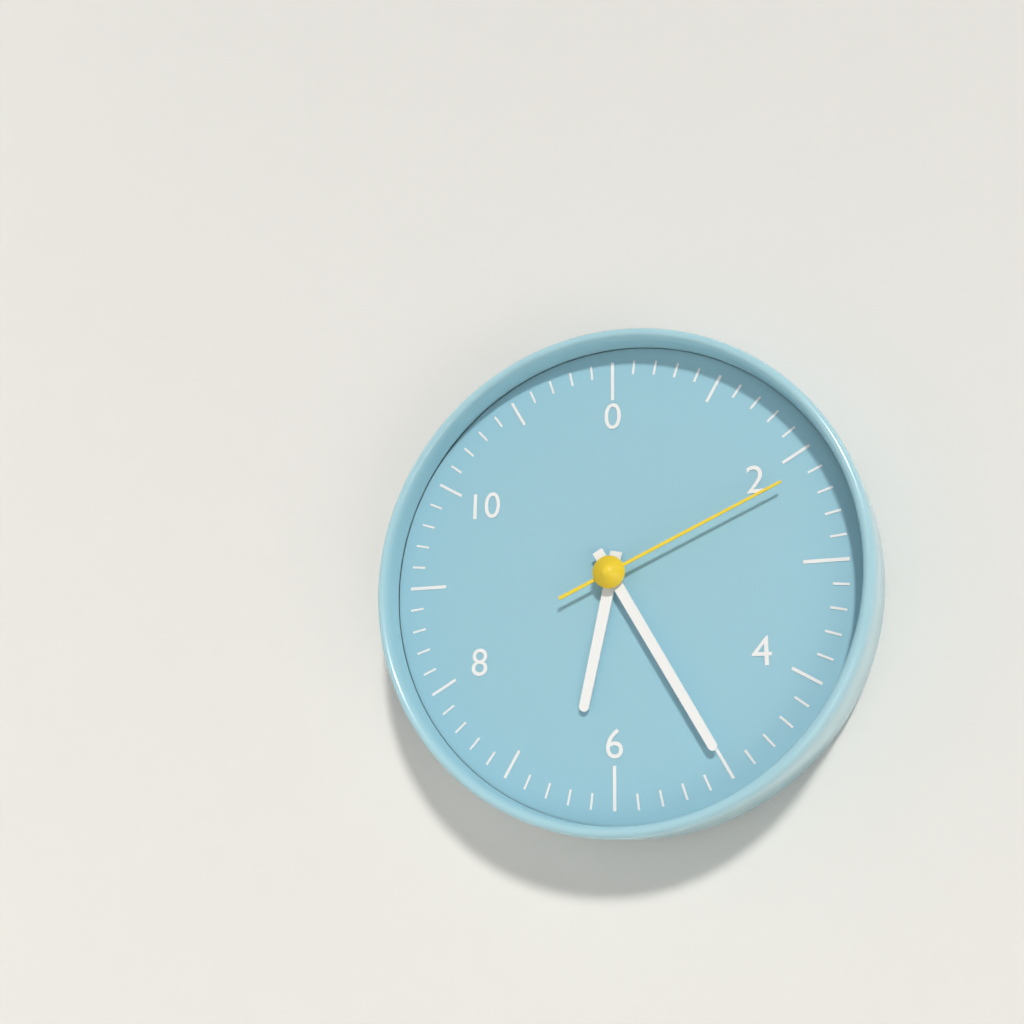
{"hour": 6, "minute": 25, "second": 11}
